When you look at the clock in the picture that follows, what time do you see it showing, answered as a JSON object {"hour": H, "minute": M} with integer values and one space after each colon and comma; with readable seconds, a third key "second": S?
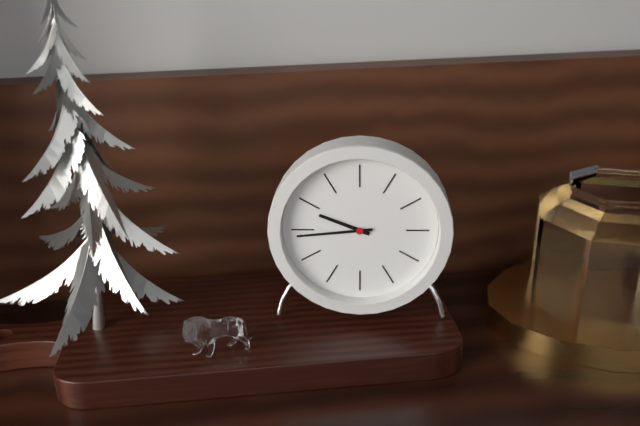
{"hour": 9, "minute": 44}
